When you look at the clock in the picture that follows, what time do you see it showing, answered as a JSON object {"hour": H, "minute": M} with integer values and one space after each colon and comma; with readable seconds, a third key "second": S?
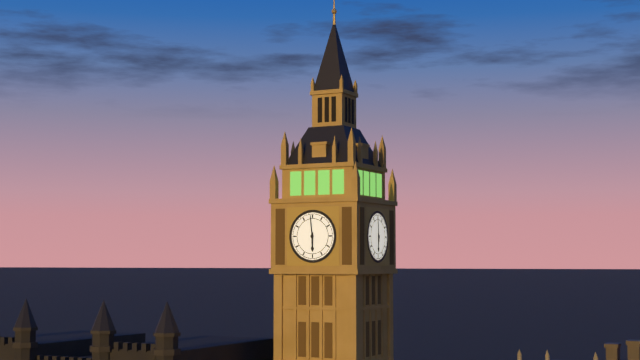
{"hour": 5, "minute": 59}
